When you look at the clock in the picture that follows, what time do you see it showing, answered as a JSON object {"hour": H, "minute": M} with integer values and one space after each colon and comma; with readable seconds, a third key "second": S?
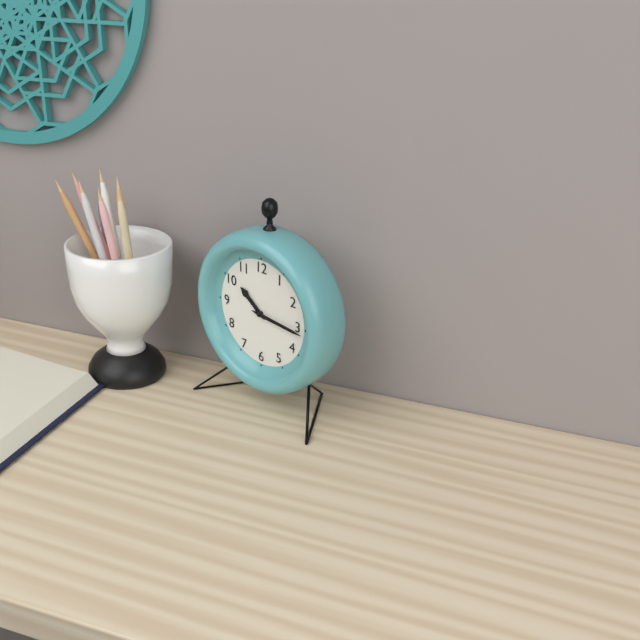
{"hour": 10, "minute": 16}
